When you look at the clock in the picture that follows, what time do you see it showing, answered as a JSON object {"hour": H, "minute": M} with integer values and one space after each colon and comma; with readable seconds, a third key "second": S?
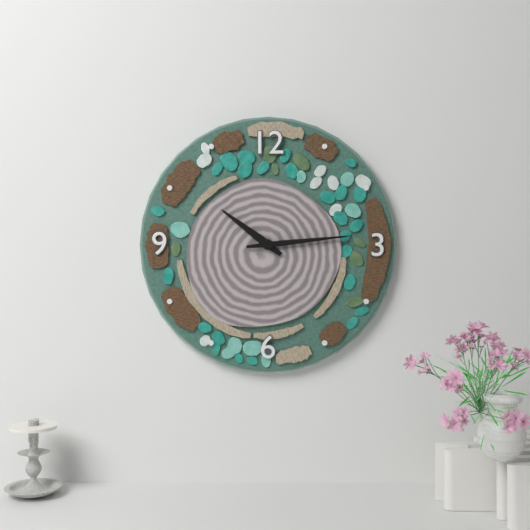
{"hour": 10, "minute": 14}
